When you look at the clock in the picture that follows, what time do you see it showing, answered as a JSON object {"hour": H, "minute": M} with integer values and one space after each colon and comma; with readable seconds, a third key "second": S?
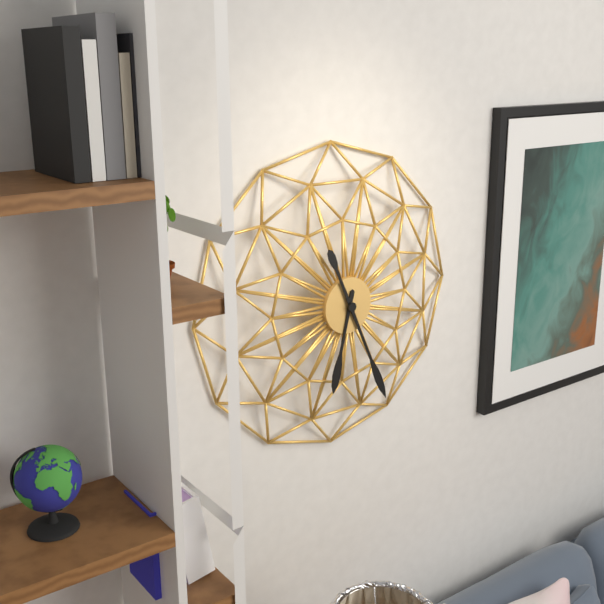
{"hour": 6, "minute": 26}
